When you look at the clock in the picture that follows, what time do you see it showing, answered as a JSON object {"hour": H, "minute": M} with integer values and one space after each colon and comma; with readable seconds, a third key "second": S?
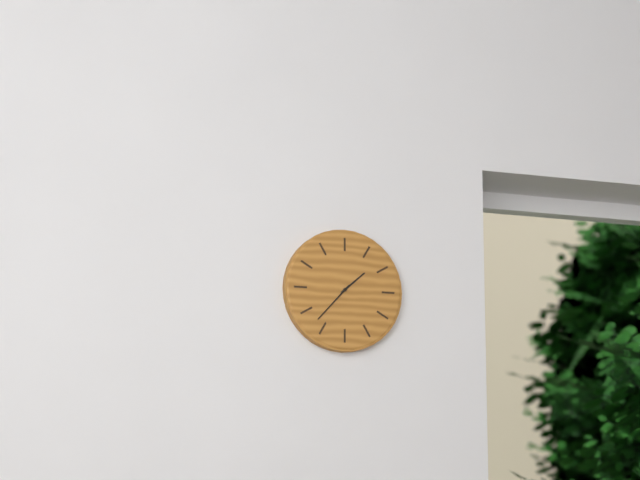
{"hour": 1, "minute": 37}
